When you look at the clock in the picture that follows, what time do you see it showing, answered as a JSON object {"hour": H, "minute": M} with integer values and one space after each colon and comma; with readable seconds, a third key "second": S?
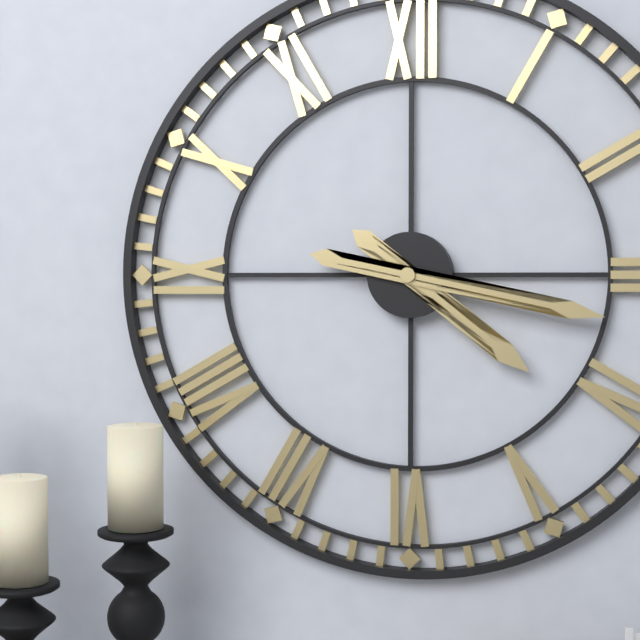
{"hour": 4, "minute": 17}
